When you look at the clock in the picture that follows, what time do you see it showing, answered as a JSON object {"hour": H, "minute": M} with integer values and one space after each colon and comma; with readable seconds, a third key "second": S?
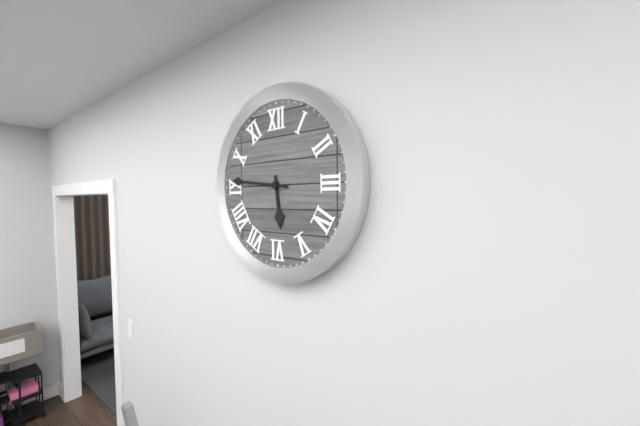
{"hour": 5, "minute": 46}
